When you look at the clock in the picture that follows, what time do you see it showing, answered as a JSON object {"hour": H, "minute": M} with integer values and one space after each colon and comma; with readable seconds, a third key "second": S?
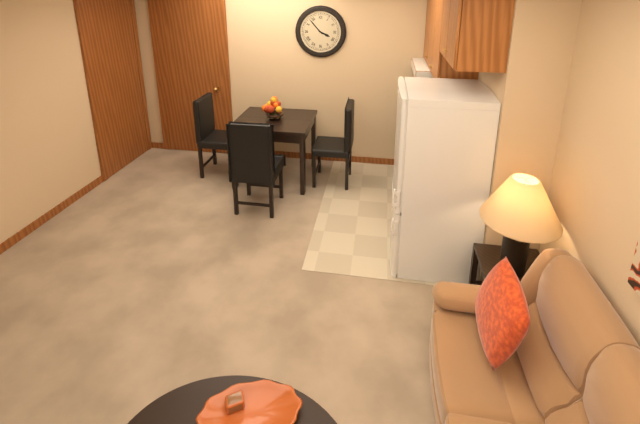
{"hour": 3, "minute": 53}
